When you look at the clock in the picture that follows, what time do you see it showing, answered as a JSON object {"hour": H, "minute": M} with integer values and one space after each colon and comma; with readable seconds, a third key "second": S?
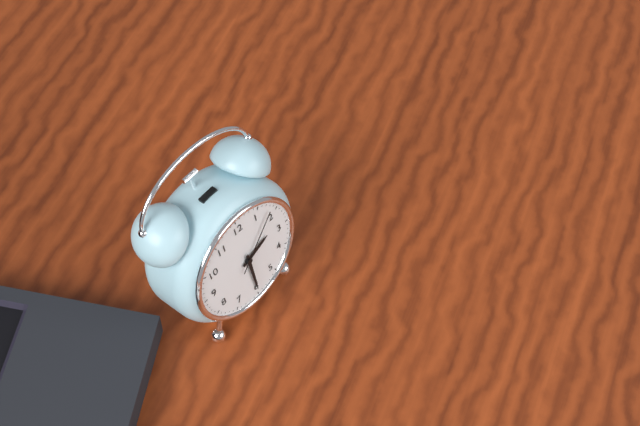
{"hour": 2, "minute": 30, "second": 8}
